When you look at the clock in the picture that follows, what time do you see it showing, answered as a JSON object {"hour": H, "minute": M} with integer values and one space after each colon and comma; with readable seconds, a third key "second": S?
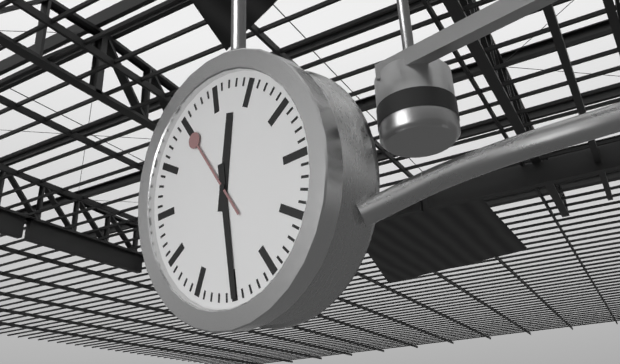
{"hour": 12, "minute": 30, "second": 55}
